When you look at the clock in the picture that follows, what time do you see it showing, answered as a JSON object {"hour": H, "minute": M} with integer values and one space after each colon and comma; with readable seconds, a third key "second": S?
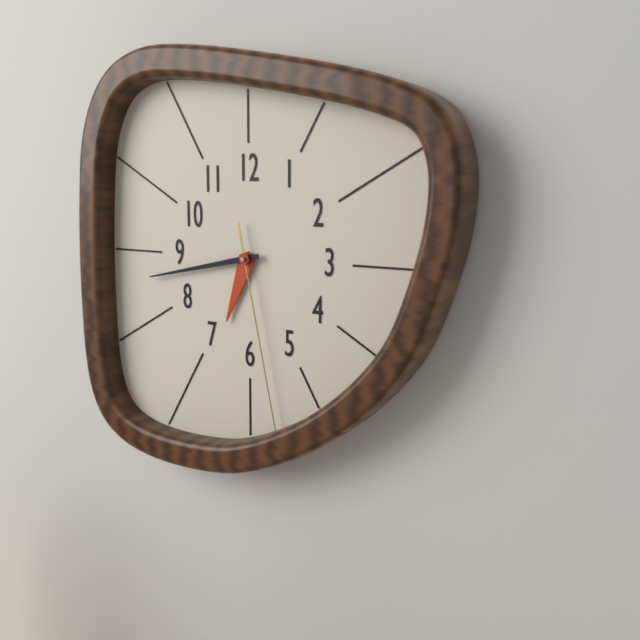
{"hour": 6, "minute": 43, "second": 28}
